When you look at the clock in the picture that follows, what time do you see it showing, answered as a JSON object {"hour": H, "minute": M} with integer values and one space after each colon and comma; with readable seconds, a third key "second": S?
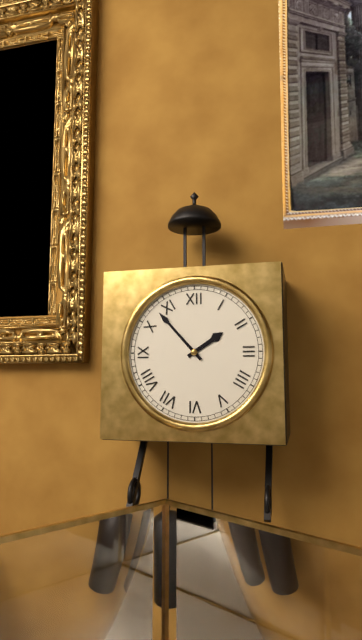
{"hour": 1, "minute": 53}
